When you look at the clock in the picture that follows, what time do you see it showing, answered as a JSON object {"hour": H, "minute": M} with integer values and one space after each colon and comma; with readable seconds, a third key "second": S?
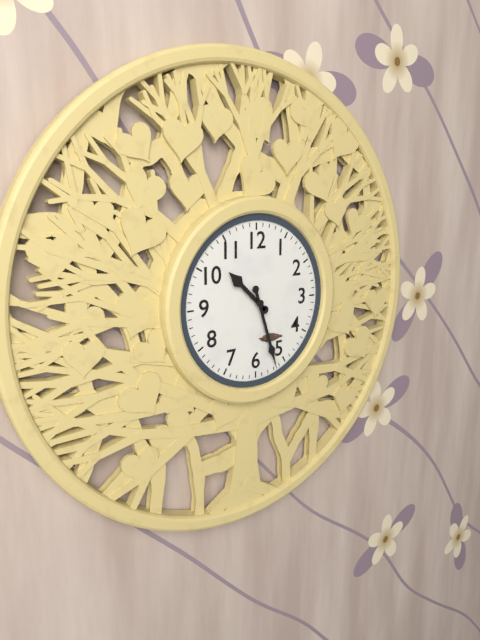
{"hour": 10, "minute": 27}
